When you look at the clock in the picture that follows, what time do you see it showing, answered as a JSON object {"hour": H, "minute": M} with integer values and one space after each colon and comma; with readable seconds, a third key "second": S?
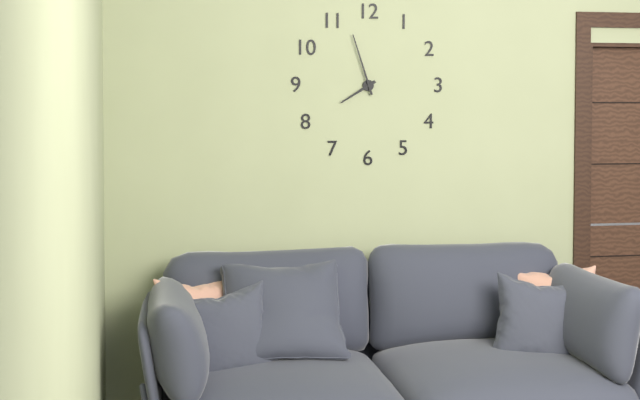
{"hour": 7, "minute": 57}
